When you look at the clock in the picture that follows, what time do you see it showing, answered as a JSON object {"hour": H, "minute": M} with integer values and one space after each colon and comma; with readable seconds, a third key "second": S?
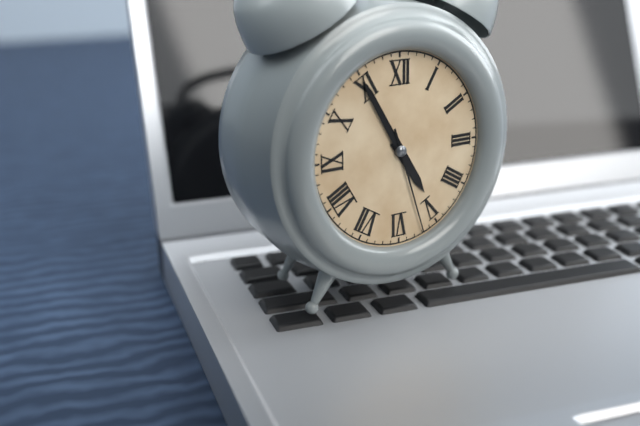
{"hour": 4, "minute": 55, "second": 27}
